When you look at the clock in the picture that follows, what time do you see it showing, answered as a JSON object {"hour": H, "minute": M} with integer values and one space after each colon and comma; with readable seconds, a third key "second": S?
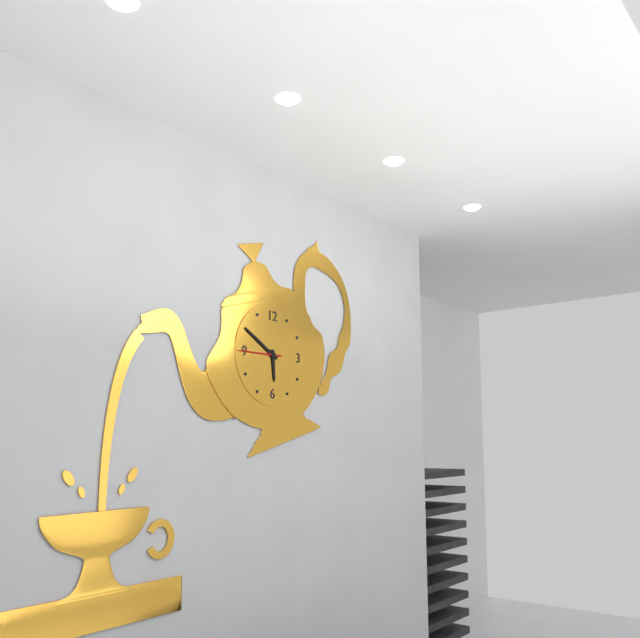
{"hour": 5, "minute": 50}
